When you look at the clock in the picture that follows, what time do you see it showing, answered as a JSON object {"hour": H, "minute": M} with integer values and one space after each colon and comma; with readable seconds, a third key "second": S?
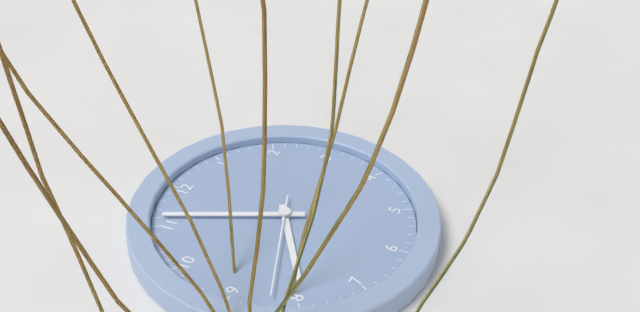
{"hour": 7, "minute": 56, "second": 42}
